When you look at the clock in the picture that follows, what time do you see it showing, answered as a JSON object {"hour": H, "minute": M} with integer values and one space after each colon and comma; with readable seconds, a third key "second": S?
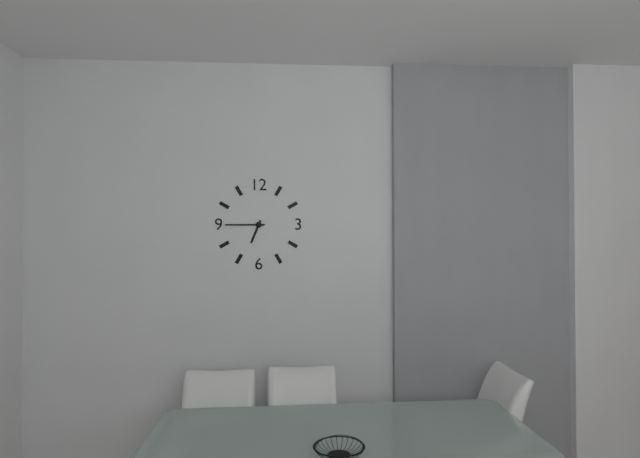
{"hour": 6, "minute": 45}
